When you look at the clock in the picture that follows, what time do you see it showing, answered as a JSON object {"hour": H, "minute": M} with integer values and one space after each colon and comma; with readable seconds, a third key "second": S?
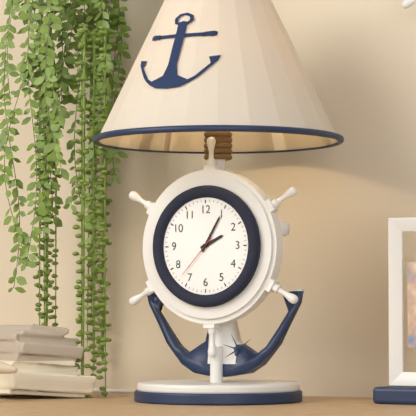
{"hour": 2, "minute": 5}
